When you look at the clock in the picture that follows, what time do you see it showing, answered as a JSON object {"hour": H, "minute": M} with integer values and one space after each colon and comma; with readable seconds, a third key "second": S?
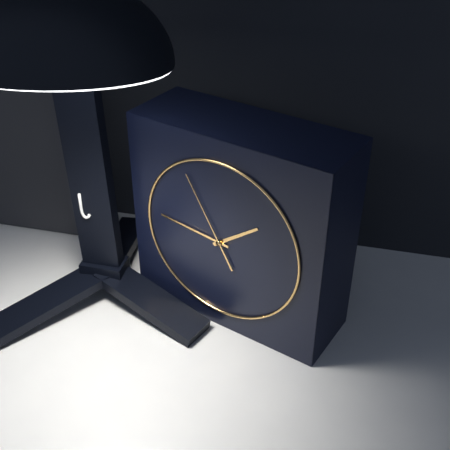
{"hour": 1, "minute": 46, "second": 55}
